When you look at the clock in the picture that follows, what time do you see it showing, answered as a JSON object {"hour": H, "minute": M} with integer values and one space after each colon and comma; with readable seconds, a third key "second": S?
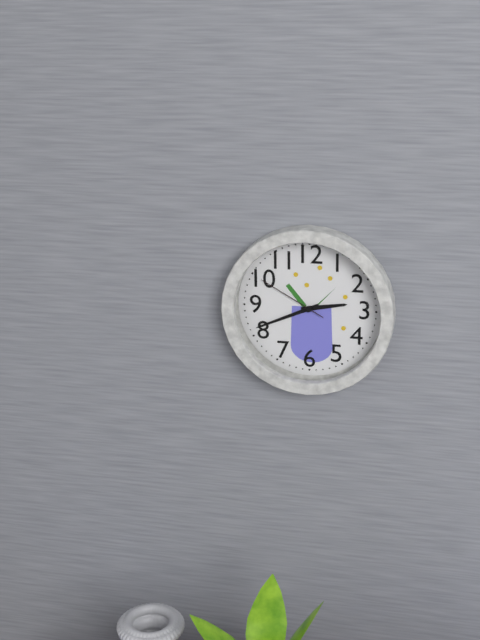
{"hour": 2, "minute": 41, "second": 50}
